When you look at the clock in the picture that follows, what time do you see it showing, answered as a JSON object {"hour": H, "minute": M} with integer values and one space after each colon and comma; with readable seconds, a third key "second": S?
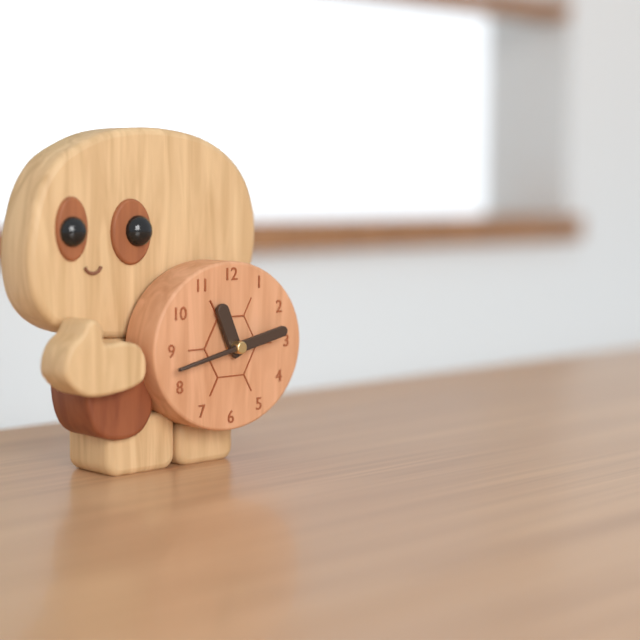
{"hour": 11, "minute": 13}
